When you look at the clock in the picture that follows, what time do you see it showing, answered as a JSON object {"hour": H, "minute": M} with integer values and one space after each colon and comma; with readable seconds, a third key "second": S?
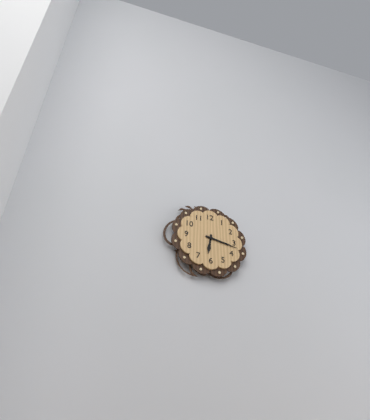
{"hour": 6, "minute": 17}
